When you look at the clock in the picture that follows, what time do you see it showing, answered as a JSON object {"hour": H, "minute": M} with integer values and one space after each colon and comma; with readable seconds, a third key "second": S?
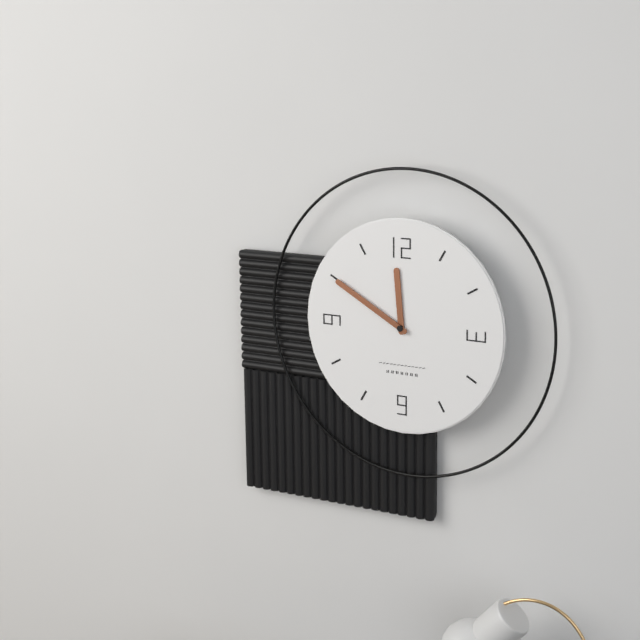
{"hour": 11, "minute": 50}
